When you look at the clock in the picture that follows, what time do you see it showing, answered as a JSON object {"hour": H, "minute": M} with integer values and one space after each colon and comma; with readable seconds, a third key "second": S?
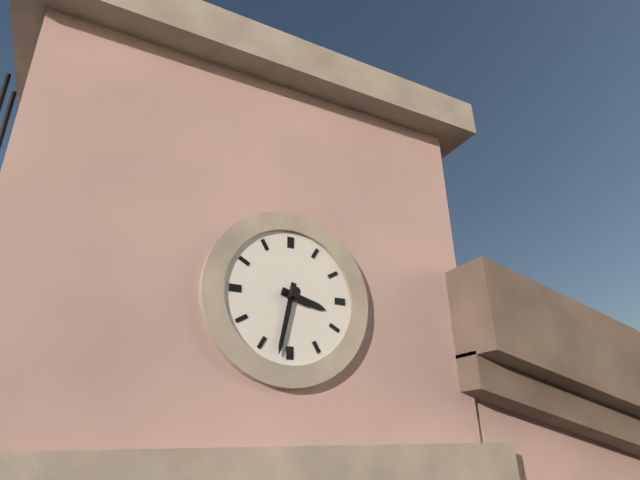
{"hour": 3, "minute": 32}
